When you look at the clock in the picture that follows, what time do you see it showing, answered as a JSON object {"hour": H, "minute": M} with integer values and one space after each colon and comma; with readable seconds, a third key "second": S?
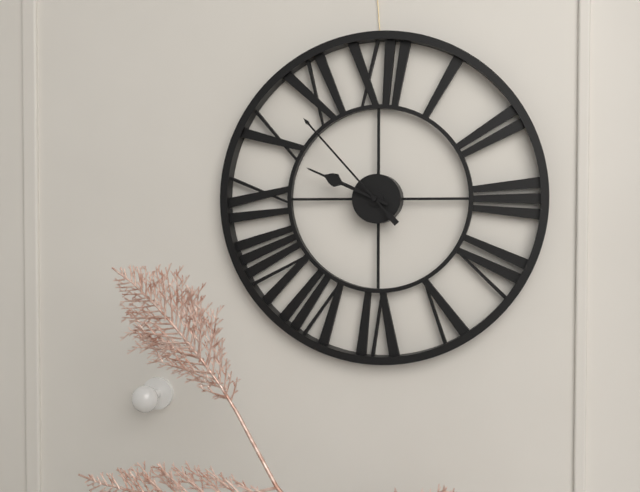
{"hour": 9, "minute": 49, "second": 53}
